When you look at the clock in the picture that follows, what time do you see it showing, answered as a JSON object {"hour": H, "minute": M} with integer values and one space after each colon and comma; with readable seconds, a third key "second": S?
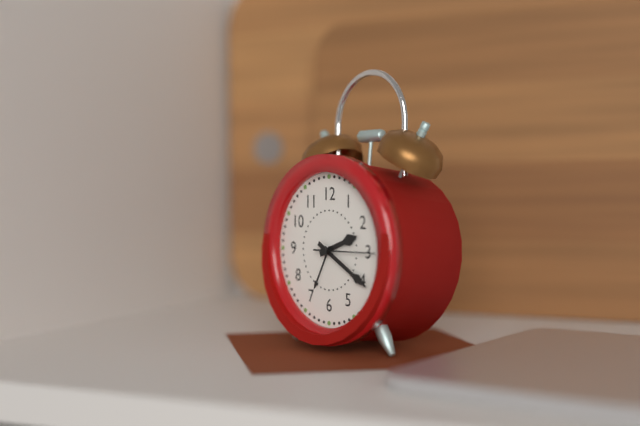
{"hour": 2, "minute": 20, "second": 15}
